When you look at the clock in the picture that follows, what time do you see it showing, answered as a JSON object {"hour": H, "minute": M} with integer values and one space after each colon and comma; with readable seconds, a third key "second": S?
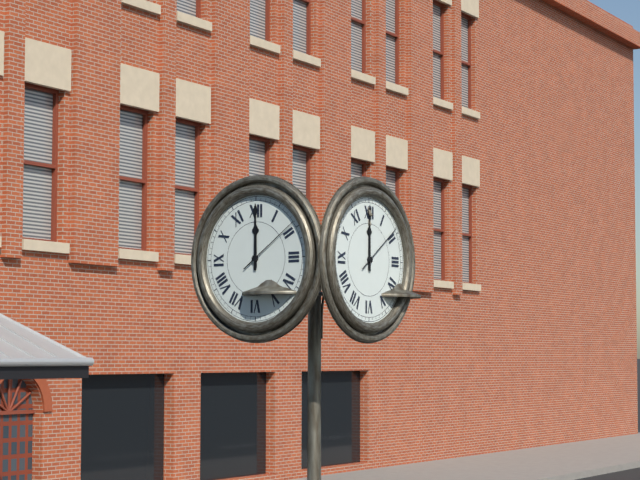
{"hour": 12, "minute": 0, "second": 9}
